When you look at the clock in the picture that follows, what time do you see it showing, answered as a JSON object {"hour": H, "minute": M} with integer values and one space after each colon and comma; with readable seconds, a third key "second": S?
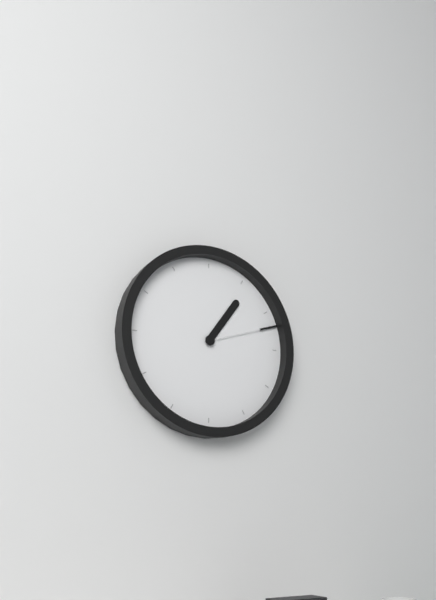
{"hour": 1, "minute": 12}
